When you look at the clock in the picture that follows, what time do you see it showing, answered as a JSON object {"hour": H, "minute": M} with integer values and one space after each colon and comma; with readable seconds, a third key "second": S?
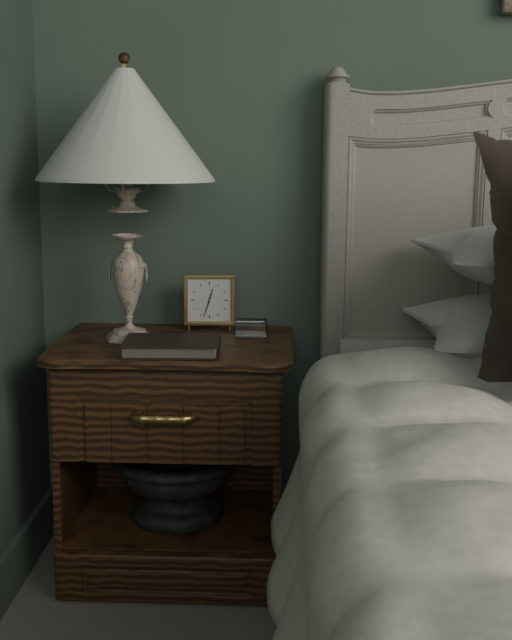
{"hour": 12, "minute": 33}
